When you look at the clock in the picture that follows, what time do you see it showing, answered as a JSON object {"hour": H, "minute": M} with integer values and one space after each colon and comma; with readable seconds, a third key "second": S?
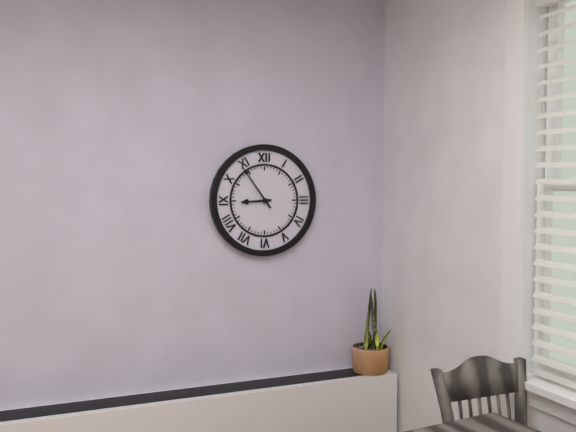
{"hour": 8, "minute": 54}
